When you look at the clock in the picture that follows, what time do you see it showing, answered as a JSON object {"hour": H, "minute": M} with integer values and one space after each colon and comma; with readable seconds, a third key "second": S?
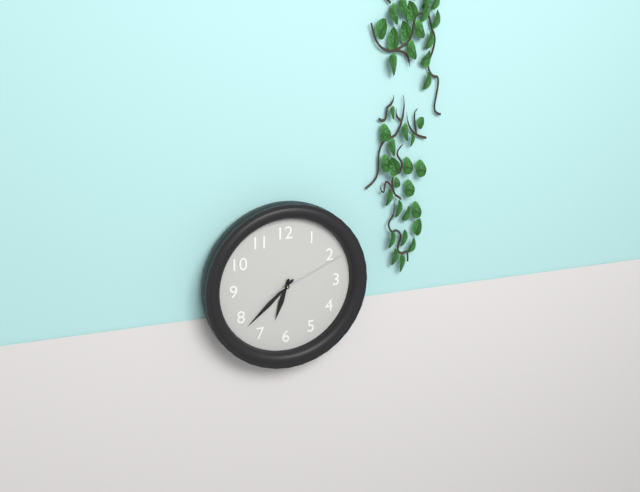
{"hour": 6, "minute": 38, "second": 11}
